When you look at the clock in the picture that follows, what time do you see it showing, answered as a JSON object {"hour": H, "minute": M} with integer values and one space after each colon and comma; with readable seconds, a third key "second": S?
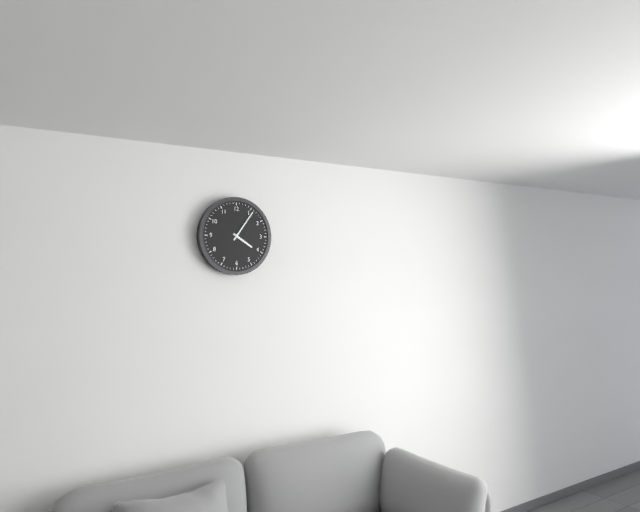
{"hour": 4, "minute": 6}
